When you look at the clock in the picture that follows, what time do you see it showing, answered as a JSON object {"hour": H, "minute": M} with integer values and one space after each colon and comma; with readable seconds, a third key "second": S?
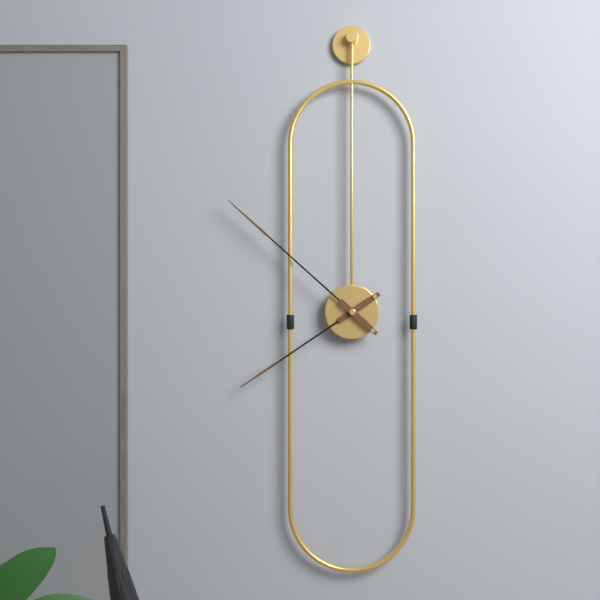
{"hour": 7, "minute": 52}
